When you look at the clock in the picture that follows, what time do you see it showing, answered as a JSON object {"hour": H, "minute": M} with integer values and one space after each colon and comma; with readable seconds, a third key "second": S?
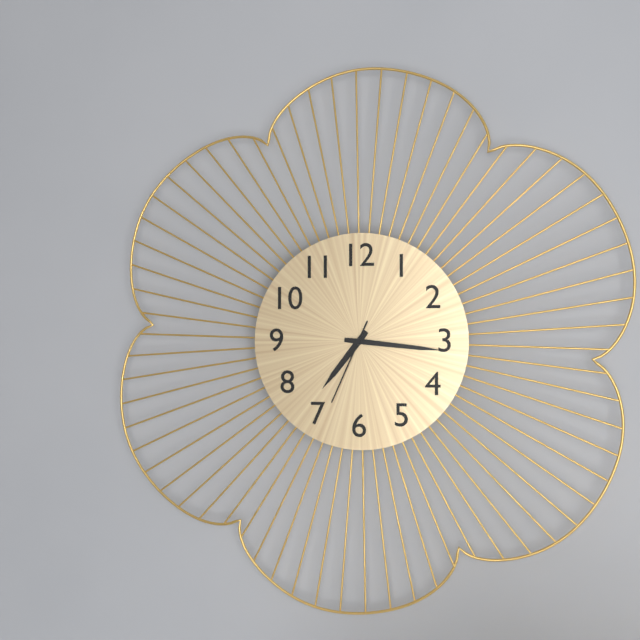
{"hour": 7, "minute": 16, "second": 34}
